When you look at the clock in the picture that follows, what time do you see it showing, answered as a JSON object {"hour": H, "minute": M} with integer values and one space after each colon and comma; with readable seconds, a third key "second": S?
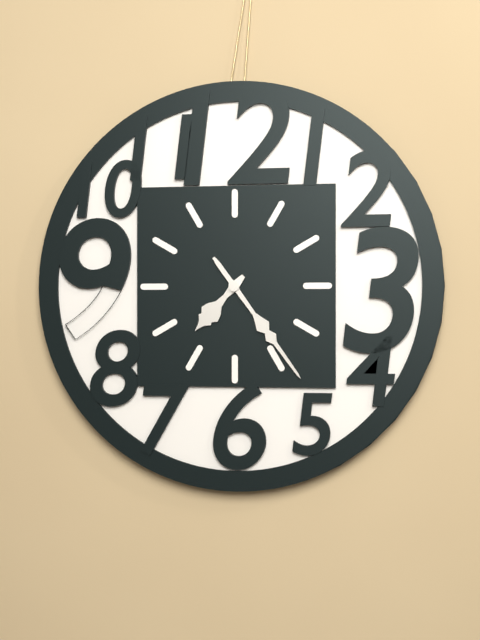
{"hour": 7, "minute": 24}
